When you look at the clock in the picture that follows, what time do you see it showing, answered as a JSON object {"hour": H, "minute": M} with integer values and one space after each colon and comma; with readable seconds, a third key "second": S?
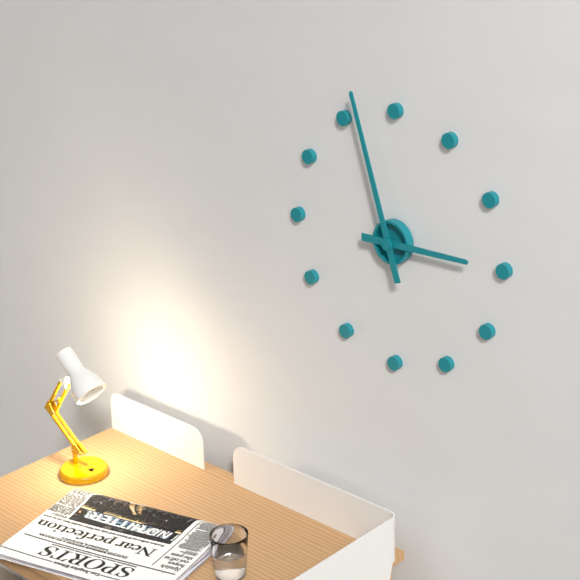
{"hour": 2, "minute": 57}
